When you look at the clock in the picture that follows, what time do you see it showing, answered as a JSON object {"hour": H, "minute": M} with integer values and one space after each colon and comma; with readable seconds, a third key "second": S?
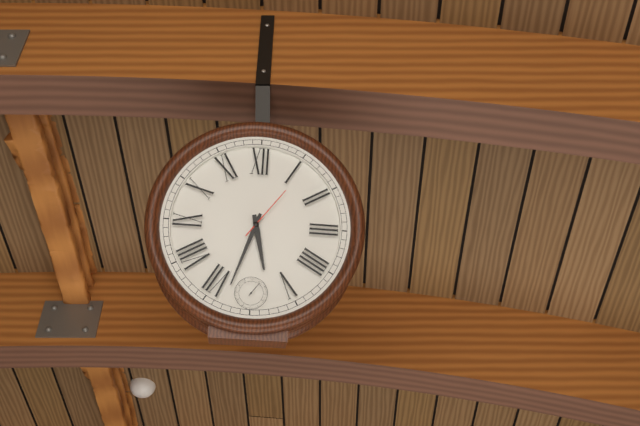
{"hour": 5, "minute": 33, "second": 6}
